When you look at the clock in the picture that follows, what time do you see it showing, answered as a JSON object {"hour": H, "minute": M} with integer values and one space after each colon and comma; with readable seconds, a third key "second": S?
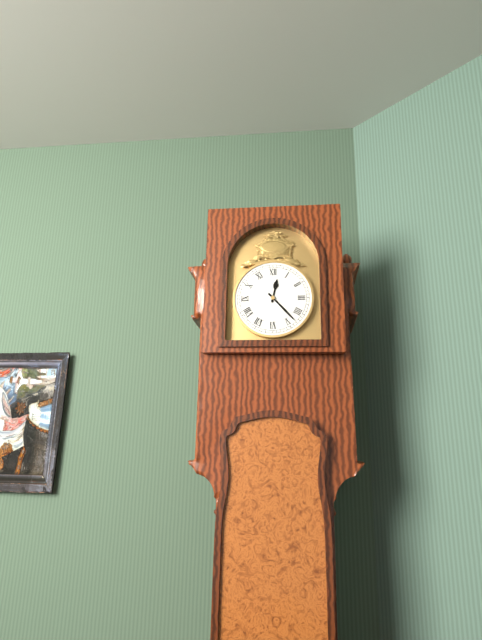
{"hour": 12, "minute": 23}
